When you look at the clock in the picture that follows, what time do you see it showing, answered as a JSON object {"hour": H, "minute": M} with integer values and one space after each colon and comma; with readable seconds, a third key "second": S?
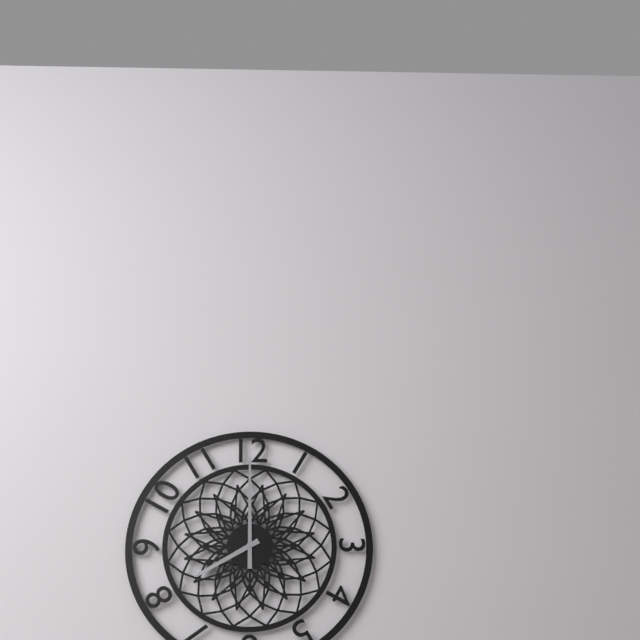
{"hour": 8, "minute": 0}
